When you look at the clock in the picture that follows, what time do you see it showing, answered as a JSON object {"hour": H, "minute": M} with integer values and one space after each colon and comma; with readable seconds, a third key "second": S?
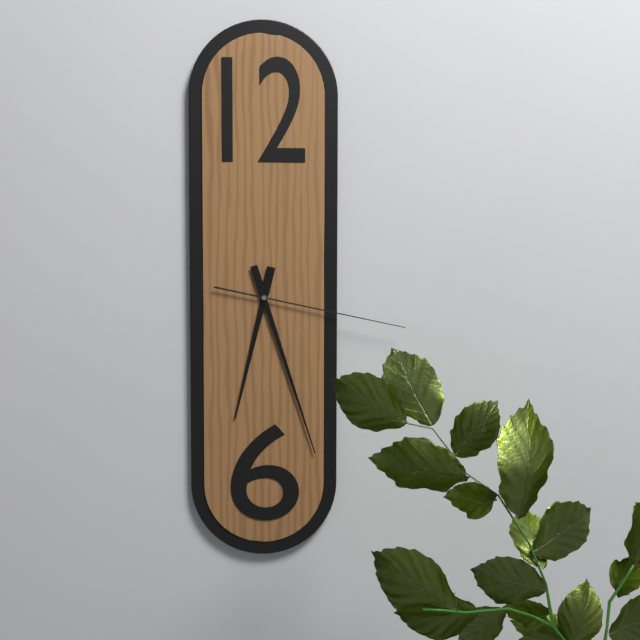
{"hour": 6, "minute": 27, "second": 17}
